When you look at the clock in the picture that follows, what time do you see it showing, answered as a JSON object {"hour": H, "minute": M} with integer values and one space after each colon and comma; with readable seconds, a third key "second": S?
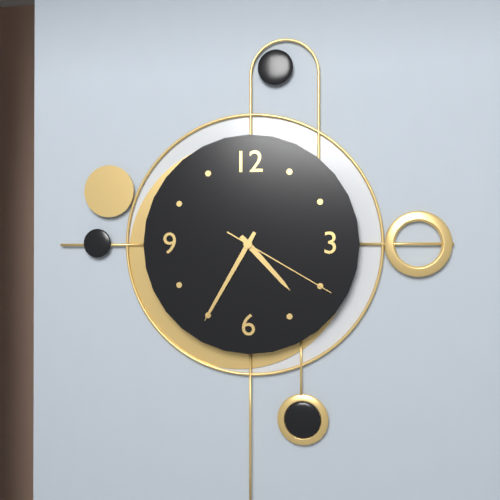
{"hour": 4, "minute": 35, "second": 20}
